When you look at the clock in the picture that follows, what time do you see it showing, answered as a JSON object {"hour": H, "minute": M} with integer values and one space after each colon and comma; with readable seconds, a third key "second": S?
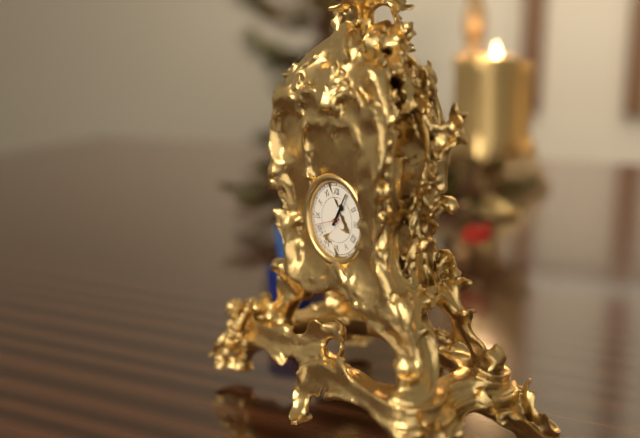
{"hour": 1, "minute": 5}
